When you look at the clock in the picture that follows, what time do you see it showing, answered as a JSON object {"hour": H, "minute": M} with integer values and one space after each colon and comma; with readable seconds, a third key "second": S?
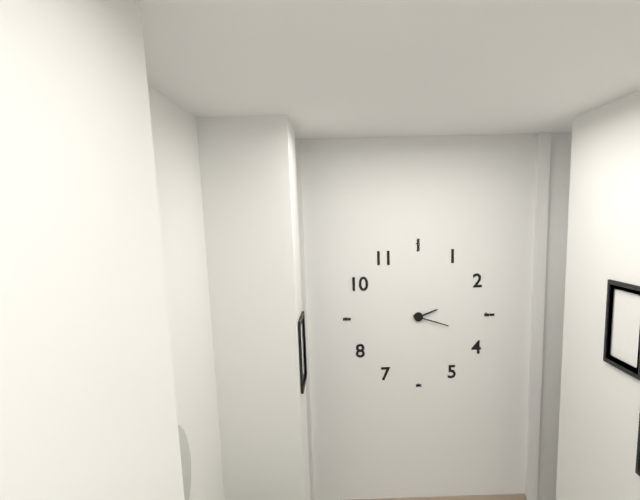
{"hour": 2, "minute": 18}
